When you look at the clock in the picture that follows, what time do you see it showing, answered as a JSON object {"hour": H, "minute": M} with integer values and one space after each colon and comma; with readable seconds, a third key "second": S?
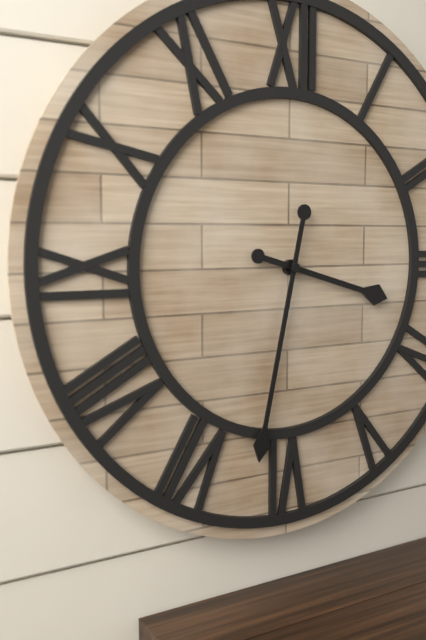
{"hour": 3, "minute": 32}
